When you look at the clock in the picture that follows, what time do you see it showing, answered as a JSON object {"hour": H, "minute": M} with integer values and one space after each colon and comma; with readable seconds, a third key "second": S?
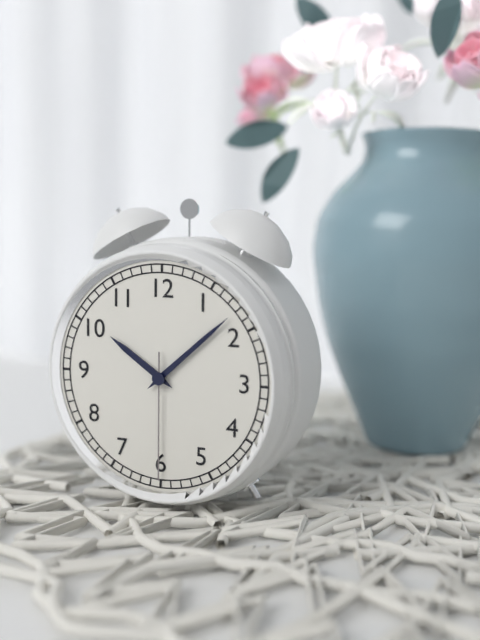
{"hour": 10, "minute": 8, "second": 30}
